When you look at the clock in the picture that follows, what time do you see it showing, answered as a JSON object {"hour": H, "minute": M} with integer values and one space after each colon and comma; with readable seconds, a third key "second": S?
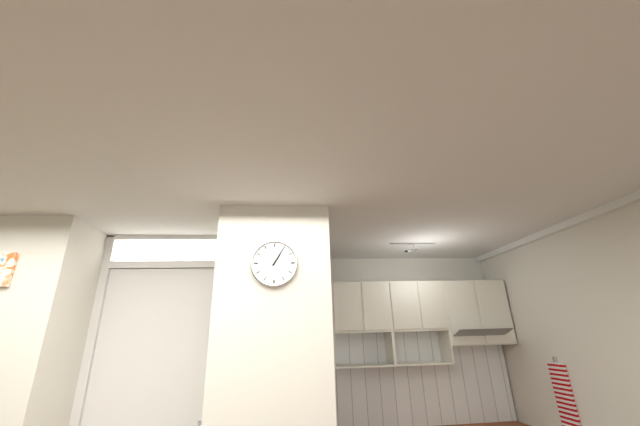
{"hour": 1, "minute": 5}
